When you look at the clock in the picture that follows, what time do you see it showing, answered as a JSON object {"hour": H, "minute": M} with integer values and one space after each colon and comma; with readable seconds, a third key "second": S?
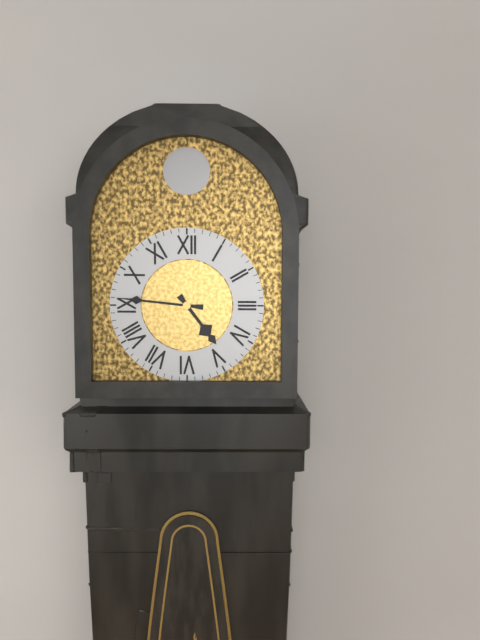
{"hour": 4, "minute": 46}
